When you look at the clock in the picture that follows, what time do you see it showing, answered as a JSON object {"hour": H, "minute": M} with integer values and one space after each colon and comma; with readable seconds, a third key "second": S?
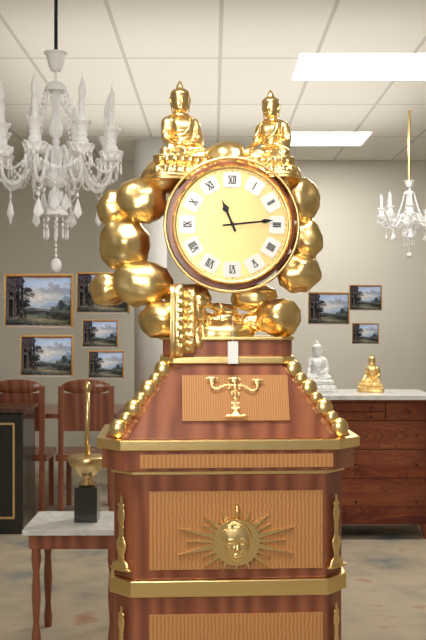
{"hour": 11, "minute": 14}
